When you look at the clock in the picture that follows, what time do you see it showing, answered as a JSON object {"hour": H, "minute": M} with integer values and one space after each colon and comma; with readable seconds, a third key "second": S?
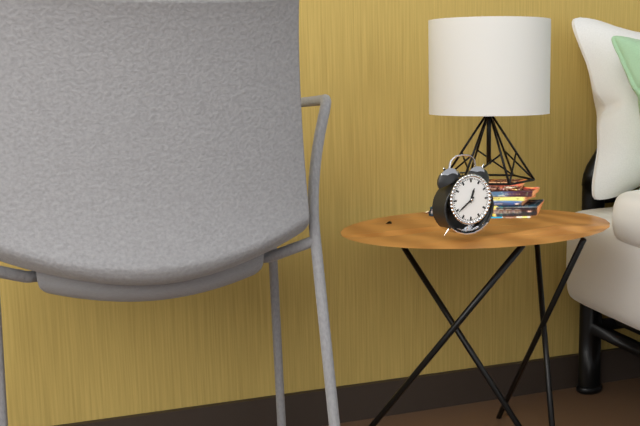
{"hour": 12, "minute": 39}
